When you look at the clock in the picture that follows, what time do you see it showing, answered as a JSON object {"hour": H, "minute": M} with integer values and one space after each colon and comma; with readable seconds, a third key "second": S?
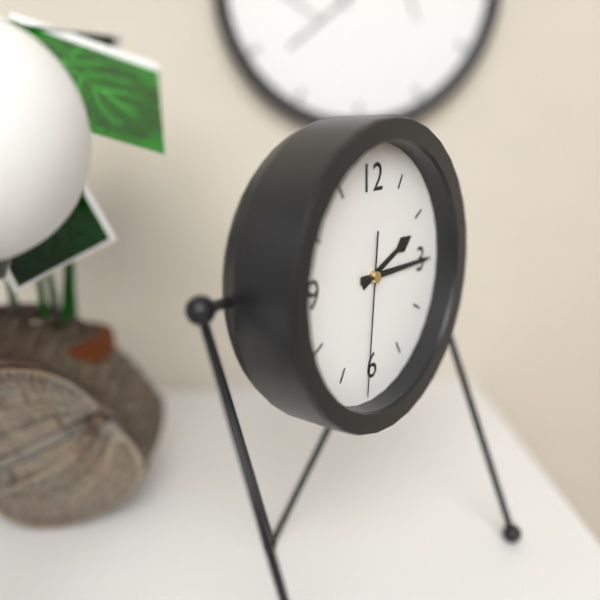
{"hour": 2, "minute": 15, "second": 31}
